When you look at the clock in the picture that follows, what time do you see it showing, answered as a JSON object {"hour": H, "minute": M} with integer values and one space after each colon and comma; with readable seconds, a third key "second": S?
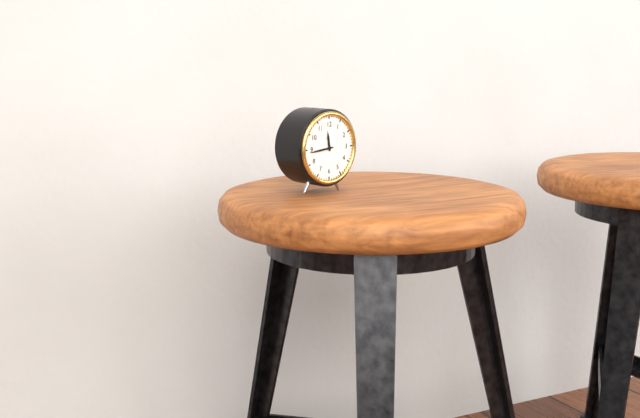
{"hour": 11, "minute": 44}
